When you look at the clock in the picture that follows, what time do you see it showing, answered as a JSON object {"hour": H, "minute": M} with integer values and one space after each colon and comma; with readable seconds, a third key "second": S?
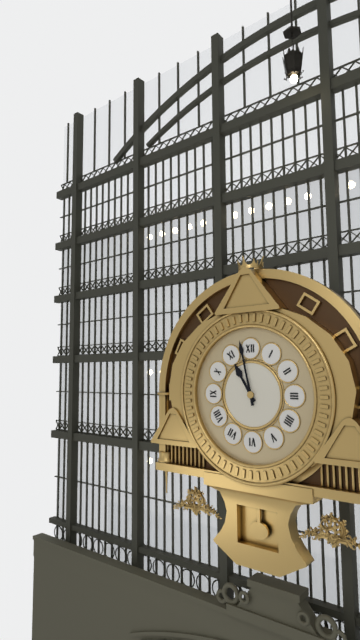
{"hour": 10, "minute": 58}
